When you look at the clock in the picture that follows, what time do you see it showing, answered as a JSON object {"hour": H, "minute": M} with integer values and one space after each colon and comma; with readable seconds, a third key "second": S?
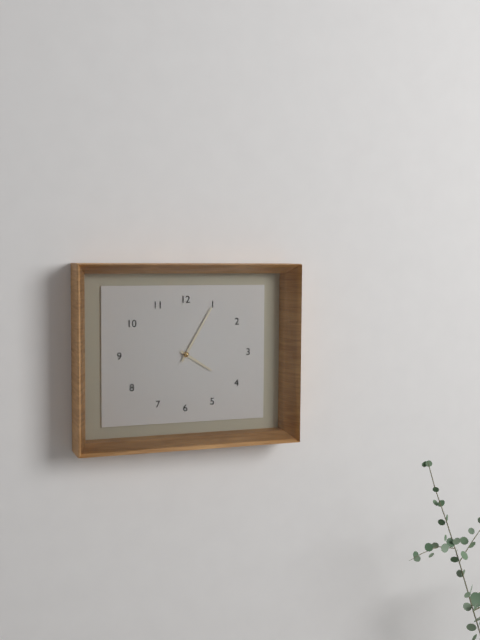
{"hour": 4, "minute": 5}
